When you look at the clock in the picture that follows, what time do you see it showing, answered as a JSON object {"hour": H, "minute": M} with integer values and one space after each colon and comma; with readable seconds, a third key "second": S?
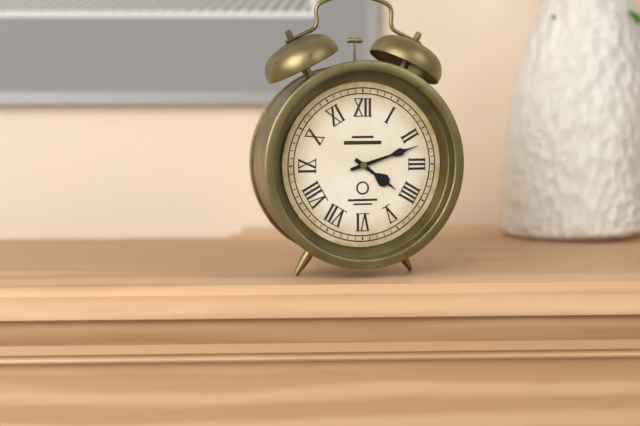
{"hour": 4, "minute": 12}
